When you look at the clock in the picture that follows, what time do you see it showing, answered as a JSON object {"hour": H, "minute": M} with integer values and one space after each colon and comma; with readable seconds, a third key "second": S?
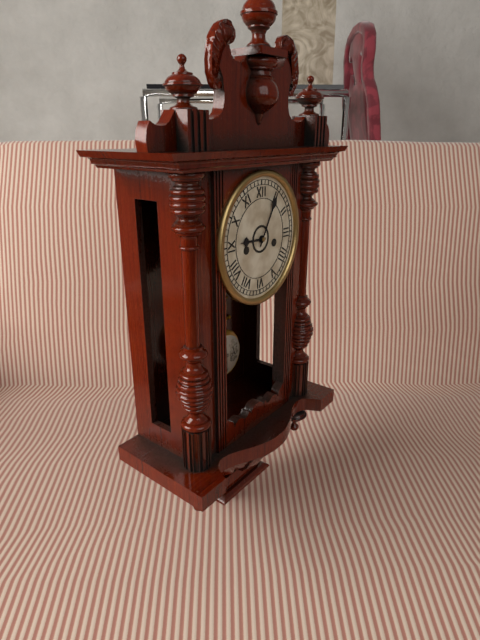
{"hour": 9, "minute": 5}
